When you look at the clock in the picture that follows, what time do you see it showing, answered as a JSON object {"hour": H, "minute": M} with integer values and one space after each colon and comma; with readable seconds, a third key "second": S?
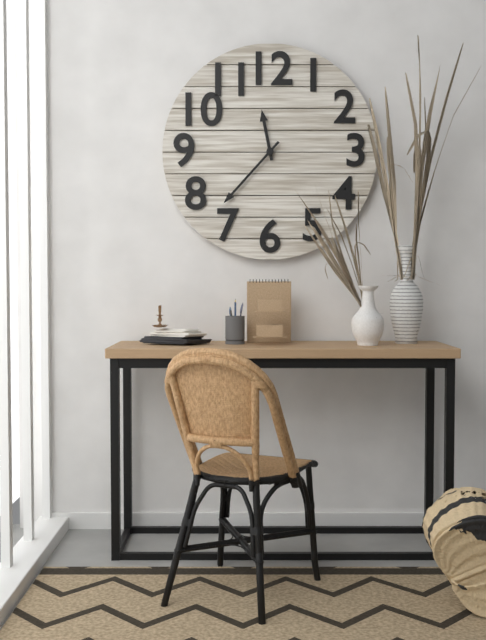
{"hour": 11, "minute": 37}
